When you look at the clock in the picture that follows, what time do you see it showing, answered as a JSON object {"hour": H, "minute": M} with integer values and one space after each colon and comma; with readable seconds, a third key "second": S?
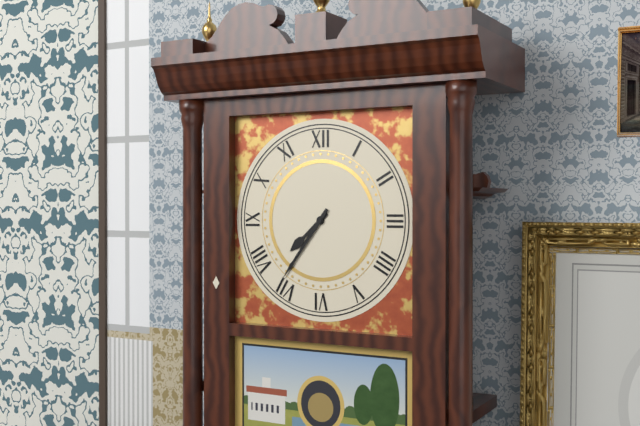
{"hour": 7, "minute": 36}
